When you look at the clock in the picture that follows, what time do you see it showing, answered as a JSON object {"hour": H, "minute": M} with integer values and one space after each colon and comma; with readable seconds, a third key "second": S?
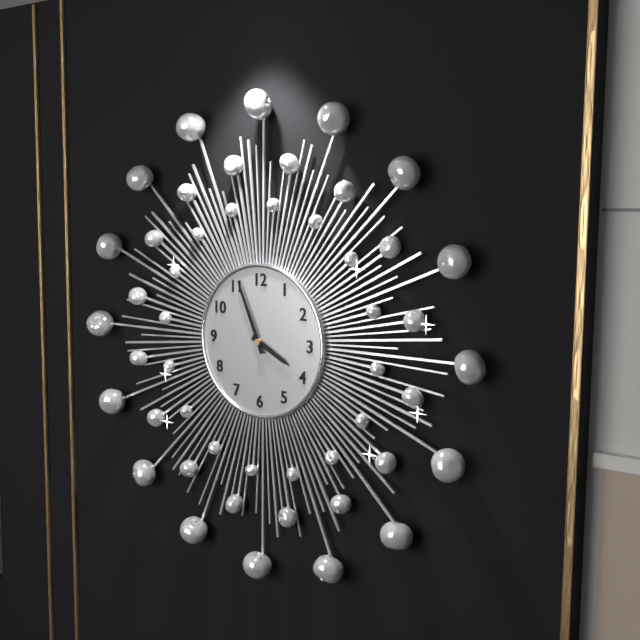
{"hour": 3, "minute": 56}
